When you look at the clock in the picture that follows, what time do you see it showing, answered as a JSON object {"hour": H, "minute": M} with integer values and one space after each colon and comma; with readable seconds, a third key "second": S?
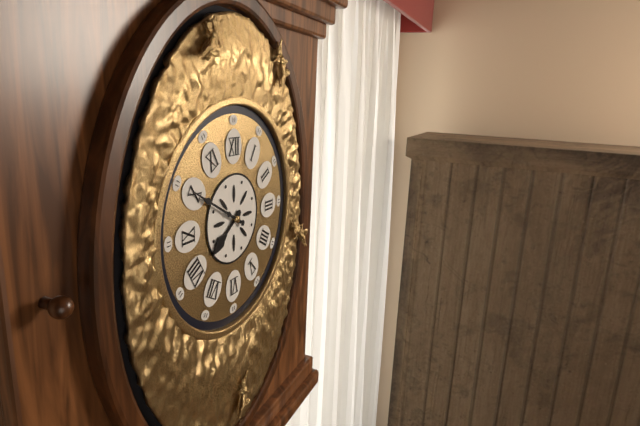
{"hour": 7, "minute": 50}
